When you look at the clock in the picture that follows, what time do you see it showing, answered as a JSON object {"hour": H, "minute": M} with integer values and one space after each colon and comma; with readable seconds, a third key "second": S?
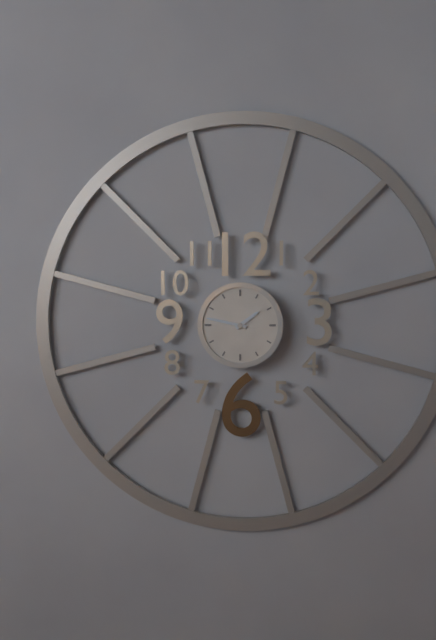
{"hour": 1, "minute": 47}
